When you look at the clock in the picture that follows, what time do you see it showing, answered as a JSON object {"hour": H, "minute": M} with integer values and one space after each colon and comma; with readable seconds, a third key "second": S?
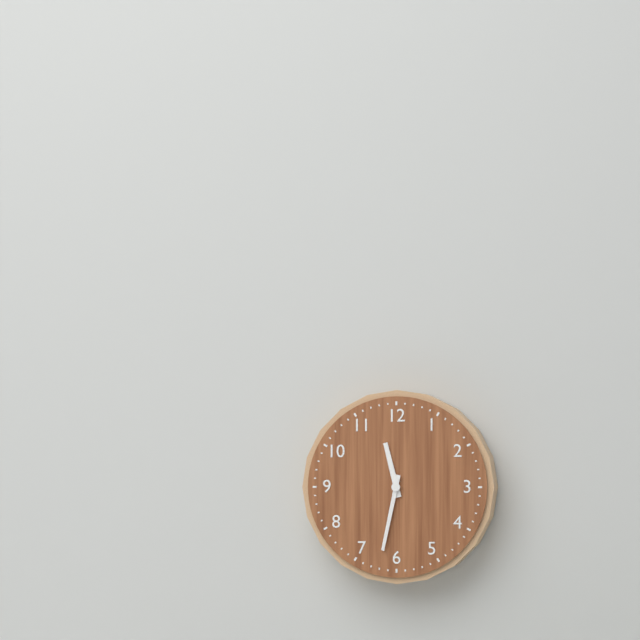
{"hour": 11, "minute": 32}
